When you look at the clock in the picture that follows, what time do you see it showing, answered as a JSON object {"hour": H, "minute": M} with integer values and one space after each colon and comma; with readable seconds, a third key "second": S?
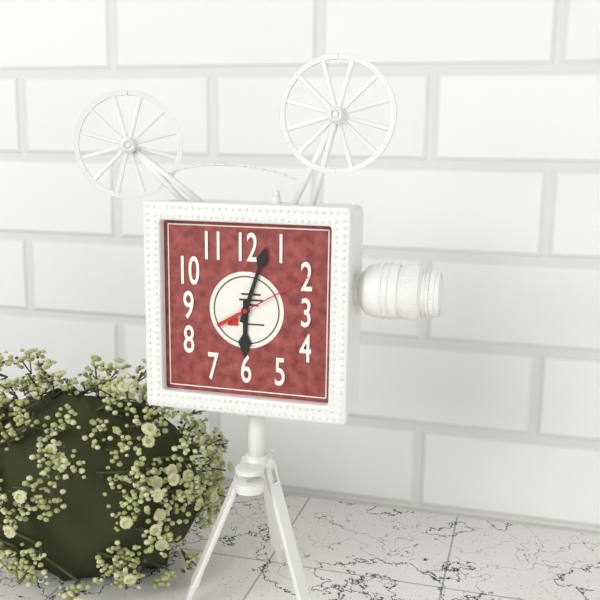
{"hour": 6, "minute": 3, "second": 10}
